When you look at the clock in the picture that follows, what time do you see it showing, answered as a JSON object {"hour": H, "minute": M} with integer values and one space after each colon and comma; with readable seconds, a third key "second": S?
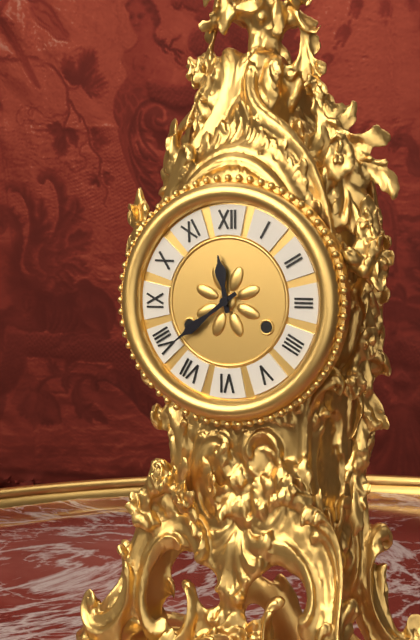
{"hour": 11, "minute": 39}
